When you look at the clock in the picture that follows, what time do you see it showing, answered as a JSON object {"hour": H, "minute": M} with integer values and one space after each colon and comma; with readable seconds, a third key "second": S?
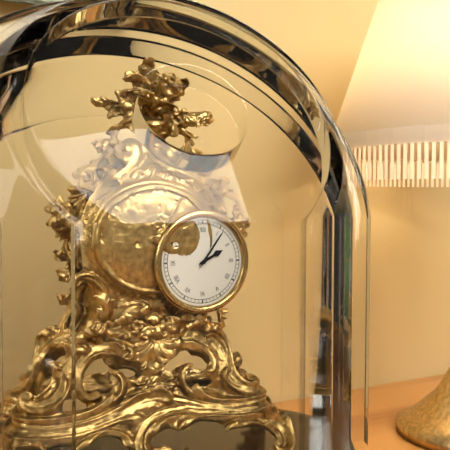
{"hour": 2, "minute": 6}
